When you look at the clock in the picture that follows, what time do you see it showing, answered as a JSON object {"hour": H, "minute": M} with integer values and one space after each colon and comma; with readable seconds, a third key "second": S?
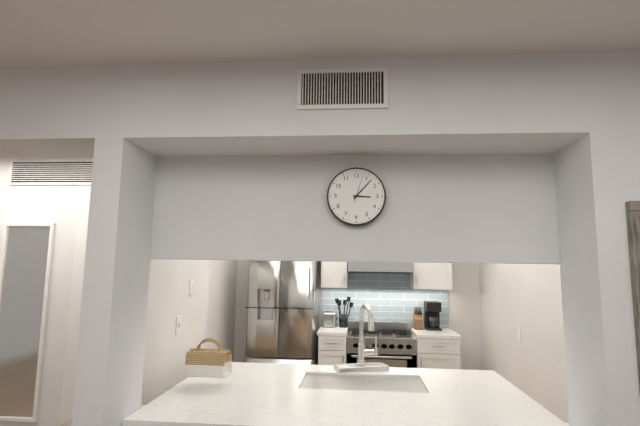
{"hour": 3, "minute": 7}
